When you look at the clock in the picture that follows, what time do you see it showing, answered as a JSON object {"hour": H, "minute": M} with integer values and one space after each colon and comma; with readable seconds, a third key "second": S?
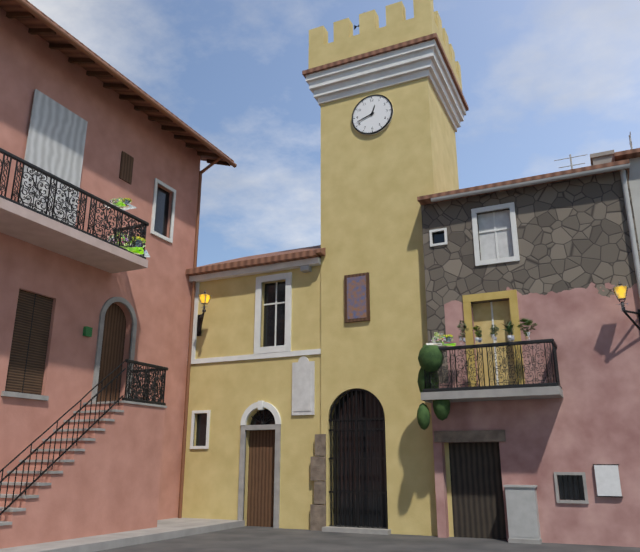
{"hour": 12, "minute": 42}
